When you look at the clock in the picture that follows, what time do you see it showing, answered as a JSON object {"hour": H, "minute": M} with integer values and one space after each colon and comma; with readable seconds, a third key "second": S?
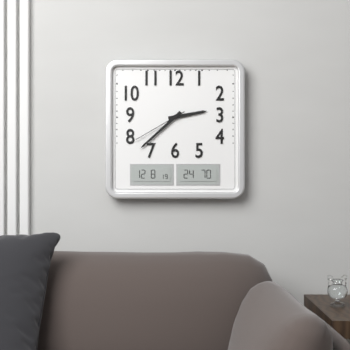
{"hour": 2, "minute": 38, "second": 40}
